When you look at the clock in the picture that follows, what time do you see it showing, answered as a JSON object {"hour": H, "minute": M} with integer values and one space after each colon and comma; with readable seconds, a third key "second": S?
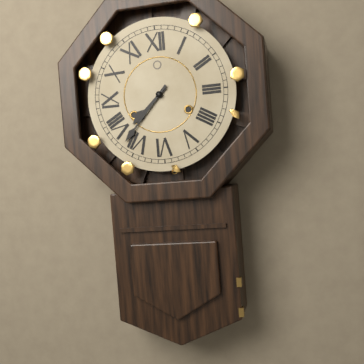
{"hour": 7, "minute": 37}
